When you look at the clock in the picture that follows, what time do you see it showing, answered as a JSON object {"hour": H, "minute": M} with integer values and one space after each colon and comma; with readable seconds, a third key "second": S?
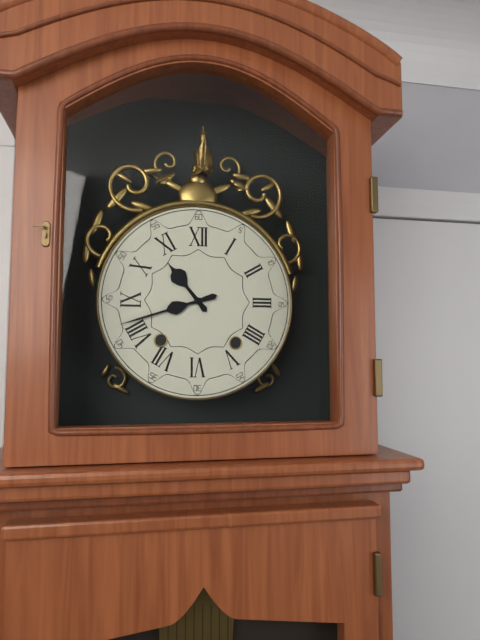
{"hour": 10, "minute": 42}
